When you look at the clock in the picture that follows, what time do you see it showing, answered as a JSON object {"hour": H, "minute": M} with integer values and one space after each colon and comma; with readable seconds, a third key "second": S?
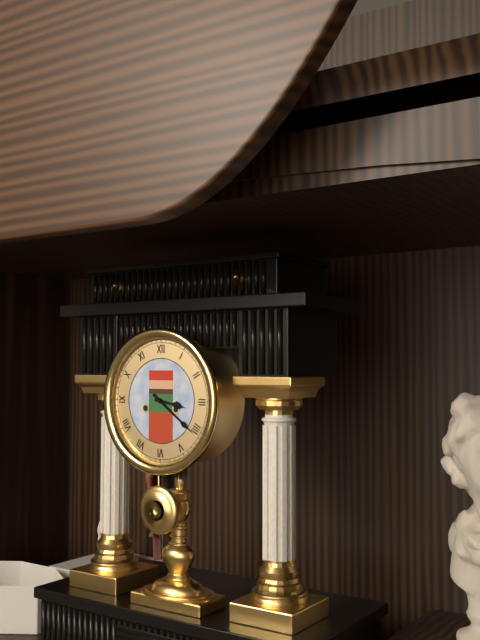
{"hour": 3, "minute": 21}
